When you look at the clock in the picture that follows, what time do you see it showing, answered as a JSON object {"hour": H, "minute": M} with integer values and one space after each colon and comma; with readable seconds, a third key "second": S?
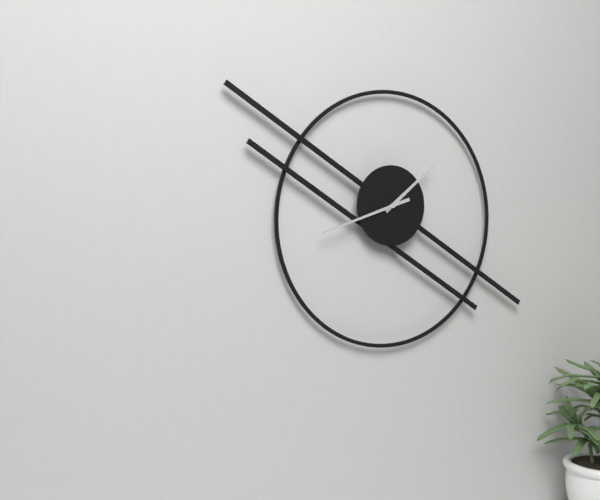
{"hour": 1, "minute": 42}
